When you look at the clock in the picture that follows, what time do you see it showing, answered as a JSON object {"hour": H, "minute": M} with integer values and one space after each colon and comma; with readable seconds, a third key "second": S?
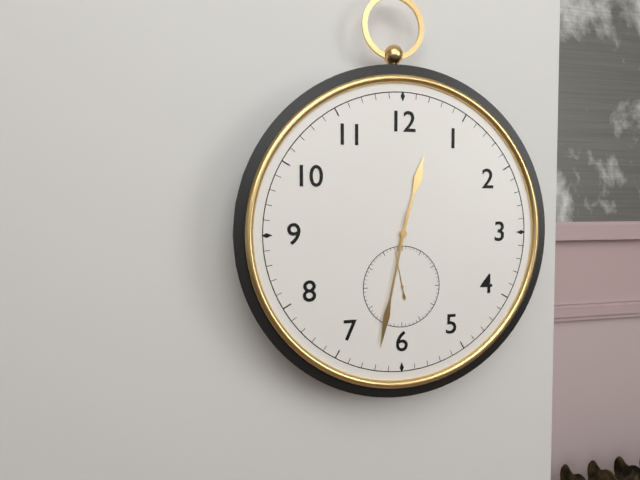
{"hour": 12, "minute": 32}
